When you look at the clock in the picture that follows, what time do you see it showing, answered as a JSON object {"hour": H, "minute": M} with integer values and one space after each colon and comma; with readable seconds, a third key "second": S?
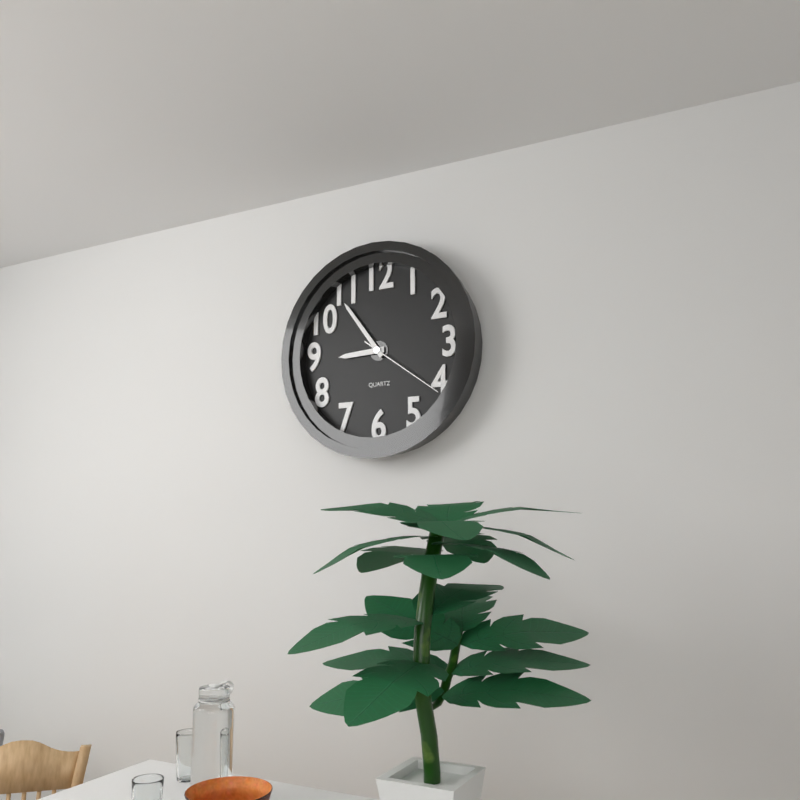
{"hour": 8, "minute": 54, "second": 21}
